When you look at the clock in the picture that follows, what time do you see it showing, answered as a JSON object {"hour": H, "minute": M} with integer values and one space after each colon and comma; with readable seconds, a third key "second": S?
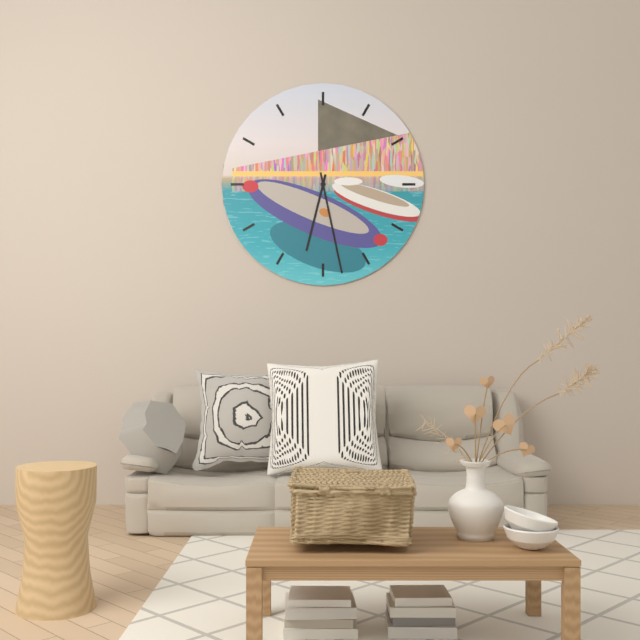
{"hour": 6, "minute": 28}
